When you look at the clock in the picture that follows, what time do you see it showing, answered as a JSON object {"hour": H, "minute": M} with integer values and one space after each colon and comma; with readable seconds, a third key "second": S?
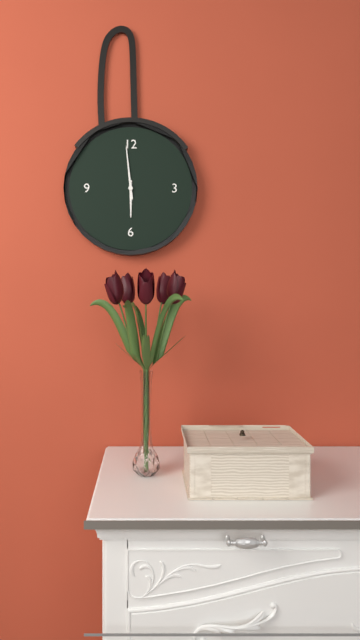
{"hour": 5, "minute": 59}
